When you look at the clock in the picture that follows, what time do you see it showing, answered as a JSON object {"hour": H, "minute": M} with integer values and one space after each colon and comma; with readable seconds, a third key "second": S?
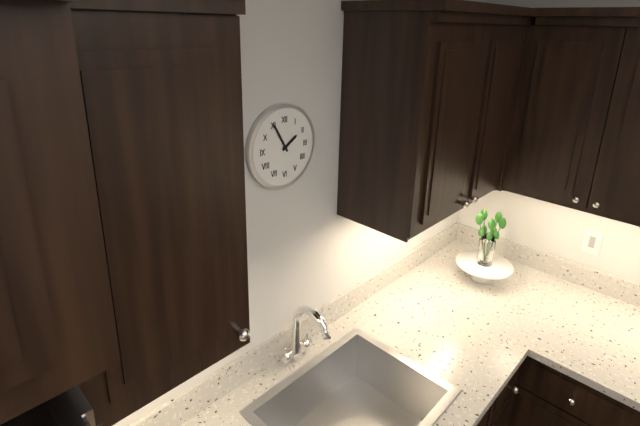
{"hour": 1, "minute": 55}
